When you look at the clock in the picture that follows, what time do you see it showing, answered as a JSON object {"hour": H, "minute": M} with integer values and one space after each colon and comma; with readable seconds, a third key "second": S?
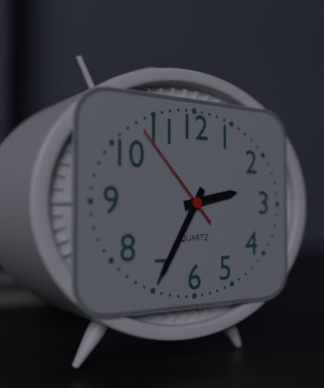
{"hour": 2, "minute": 35, "second": 53}
